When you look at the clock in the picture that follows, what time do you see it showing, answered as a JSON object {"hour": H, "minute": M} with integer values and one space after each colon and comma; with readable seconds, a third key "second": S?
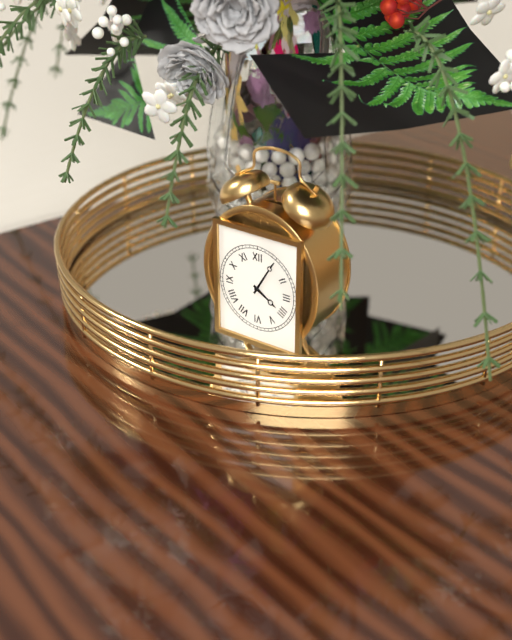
{"hour": 4, "minute": 5}
